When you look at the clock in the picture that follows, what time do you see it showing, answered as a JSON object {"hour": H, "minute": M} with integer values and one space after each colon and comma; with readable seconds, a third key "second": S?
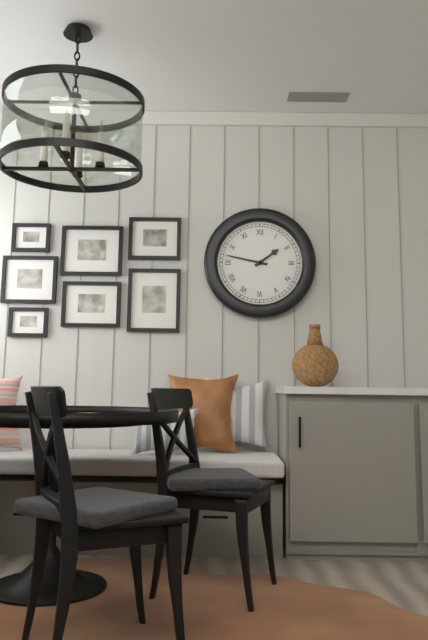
{"hour": 1, "minute": 47}
